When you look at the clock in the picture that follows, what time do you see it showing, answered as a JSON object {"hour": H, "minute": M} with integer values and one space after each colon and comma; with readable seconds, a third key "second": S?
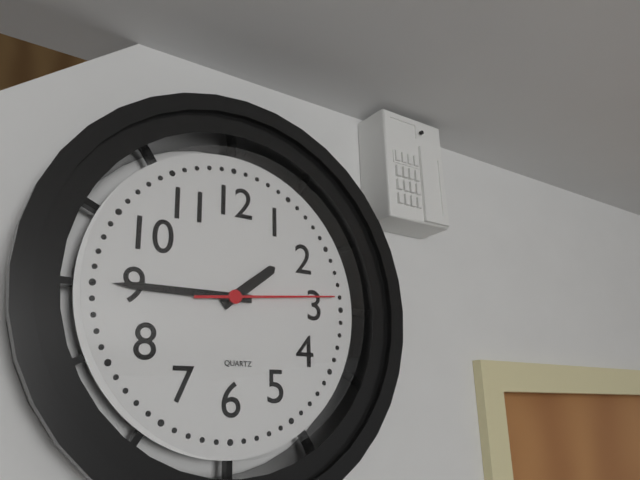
{"hour": 1, "minute": 45, "second": 14}
